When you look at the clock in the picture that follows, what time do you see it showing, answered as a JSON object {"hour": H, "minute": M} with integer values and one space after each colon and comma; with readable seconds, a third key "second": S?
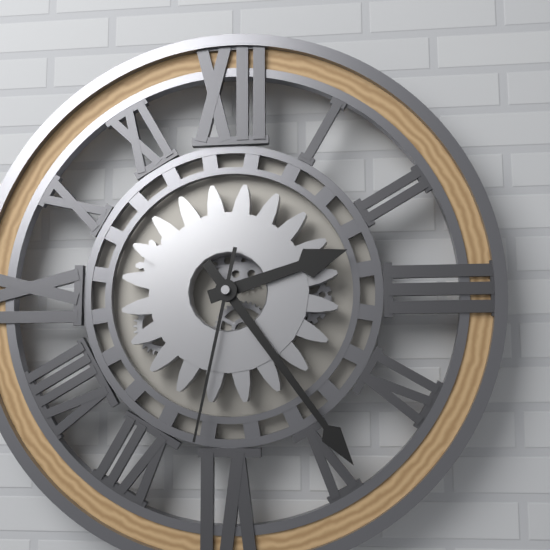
{"hour": 2, "minute": 24, "second": 32}
